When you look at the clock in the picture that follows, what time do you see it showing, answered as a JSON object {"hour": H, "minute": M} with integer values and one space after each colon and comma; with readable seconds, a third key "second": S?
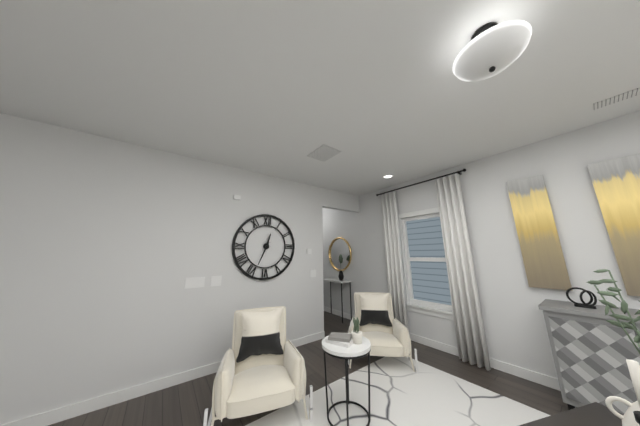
{"hour": 12, "minute": 34}
